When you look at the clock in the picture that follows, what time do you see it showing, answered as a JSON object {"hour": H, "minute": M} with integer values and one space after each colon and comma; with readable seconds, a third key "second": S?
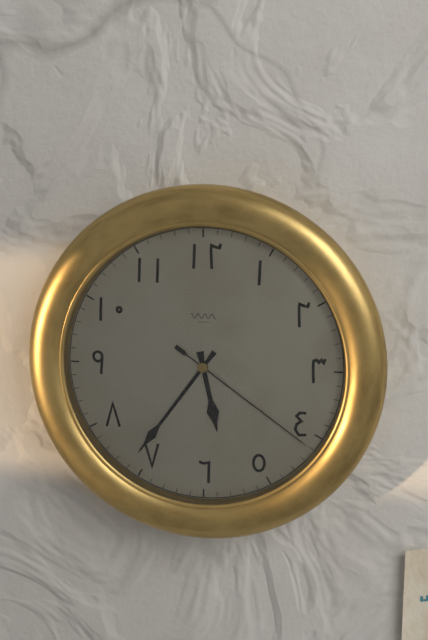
{"hour": 5, "minute": 36, "second": 21}
